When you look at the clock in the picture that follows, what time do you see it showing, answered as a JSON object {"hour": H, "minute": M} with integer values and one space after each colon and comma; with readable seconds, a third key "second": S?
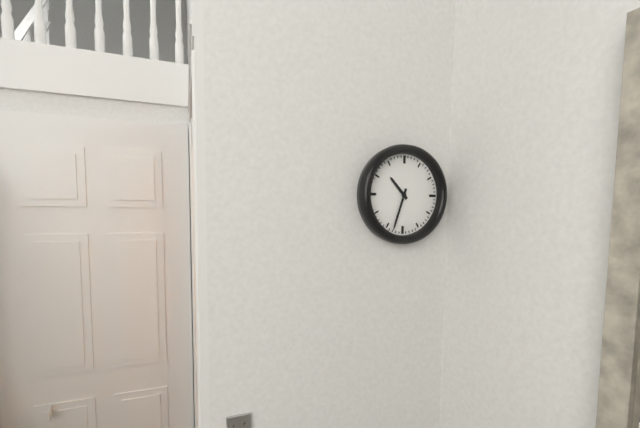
{"hour": 10, "minute": 33}
